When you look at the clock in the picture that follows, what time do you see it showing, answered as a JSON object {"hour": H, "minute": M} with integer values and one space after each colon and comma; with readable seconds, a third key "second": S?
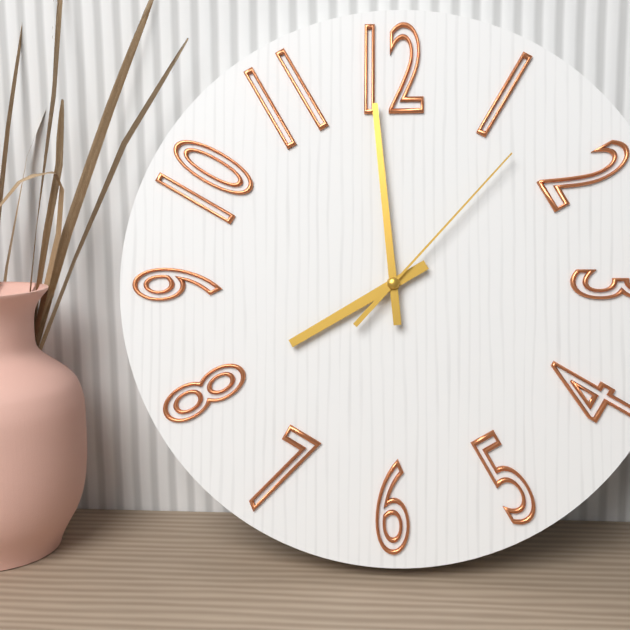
{"hour": 7, "minute": 59, "second": 7}
